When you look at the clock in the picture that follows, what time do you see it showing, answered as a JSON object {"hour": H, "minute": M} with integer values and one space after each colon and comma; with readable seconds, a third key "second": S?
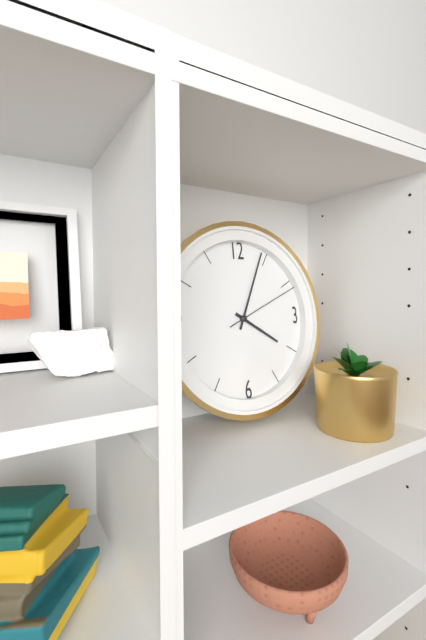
{"hour": 4, "minute": 4, "second": 11}
